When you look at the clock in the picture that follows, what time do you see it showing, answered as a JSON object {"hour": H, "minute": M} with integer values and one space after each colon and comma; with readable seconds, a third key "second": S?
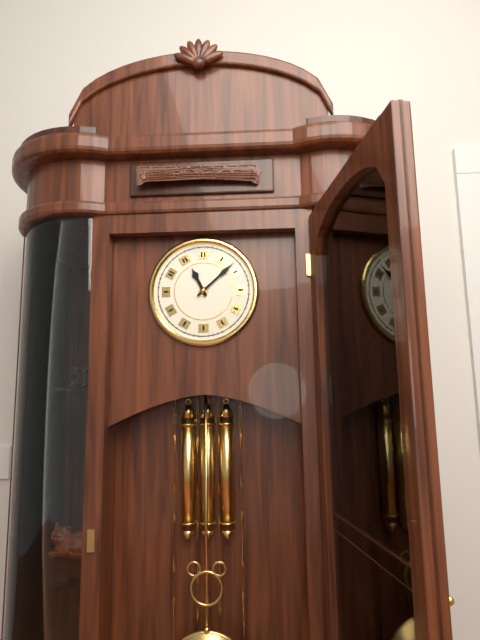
{"hour": 11, "minute": 8}
